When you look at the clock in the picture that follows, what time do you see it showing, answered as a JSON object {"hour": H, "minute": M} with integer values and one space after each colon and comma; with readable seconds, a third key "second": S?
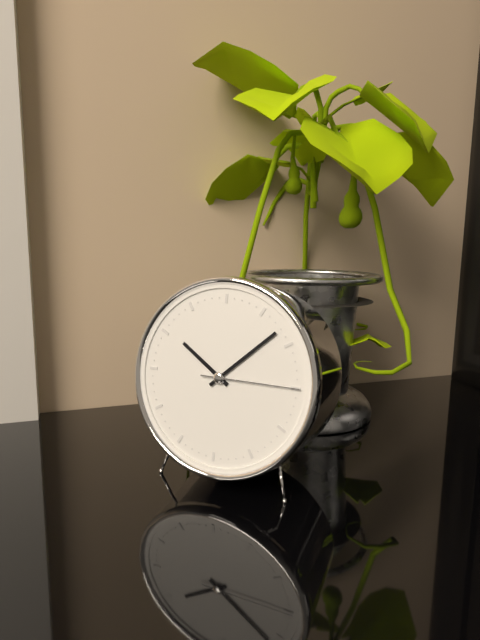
{"hour": 10, "minute": 8, "second": 15}
